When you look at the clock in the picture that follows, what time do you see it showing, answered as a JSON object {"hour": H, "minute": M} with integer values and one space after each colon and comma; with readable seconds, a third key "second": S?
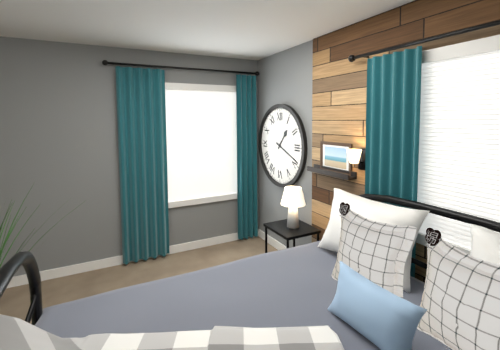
{"hour": 1, "minute": 19}
